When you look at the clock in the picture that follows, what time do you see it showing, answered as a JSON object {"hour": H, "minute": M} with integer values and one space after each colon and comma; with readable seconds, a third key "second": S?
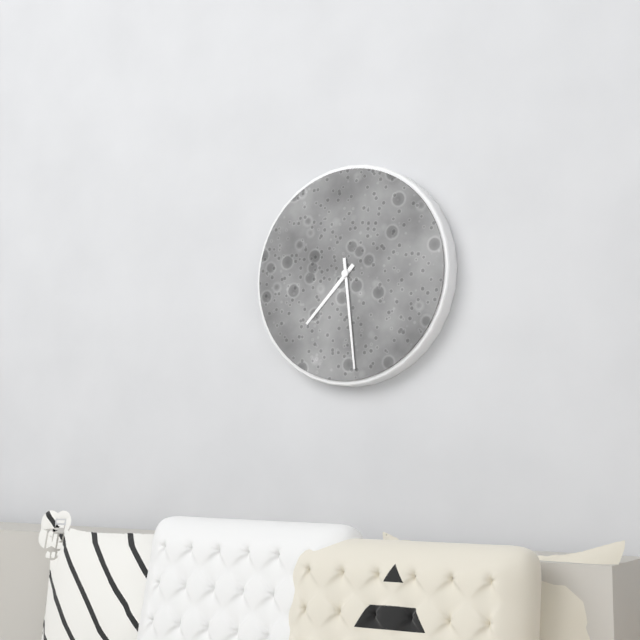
{"hour": 7, "minute": 29}
